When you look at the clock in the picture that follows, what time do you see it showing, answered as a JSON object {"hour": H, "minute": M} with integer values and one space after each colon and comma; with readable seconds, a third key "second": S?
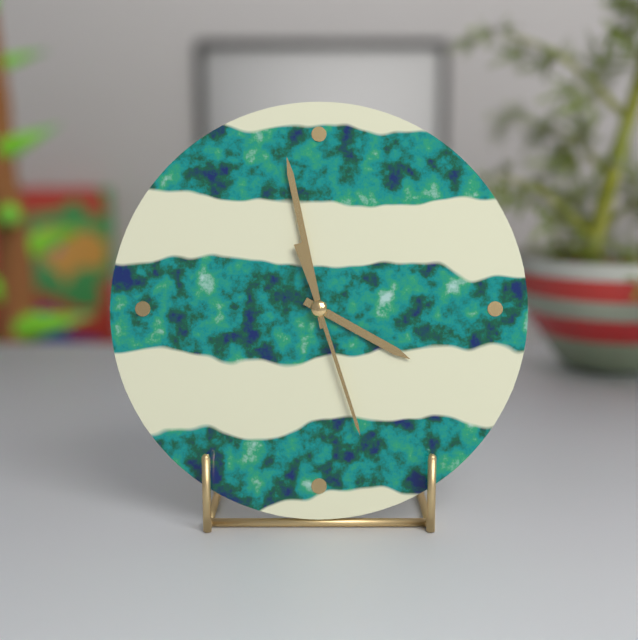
{"hour": 3, "minute": 58, "second": 27}
